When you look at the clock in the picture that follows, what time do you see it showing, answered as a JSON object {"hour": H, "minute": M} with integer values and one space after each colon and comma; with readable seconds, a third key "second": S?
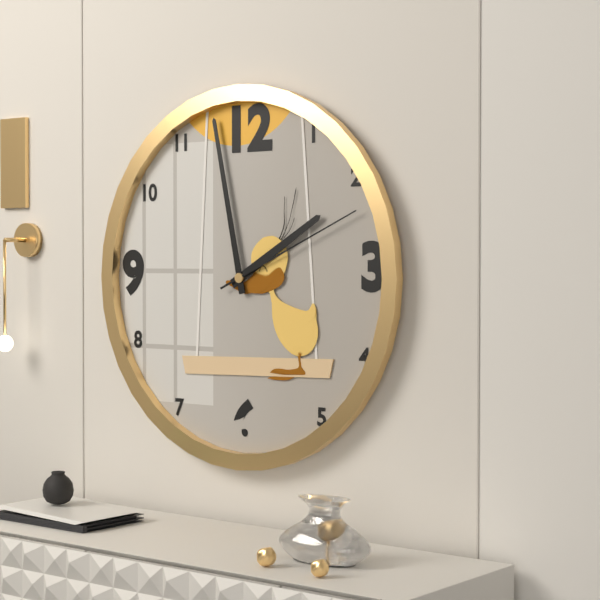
{"hour": 1, "minute": 58, "second": 11}
